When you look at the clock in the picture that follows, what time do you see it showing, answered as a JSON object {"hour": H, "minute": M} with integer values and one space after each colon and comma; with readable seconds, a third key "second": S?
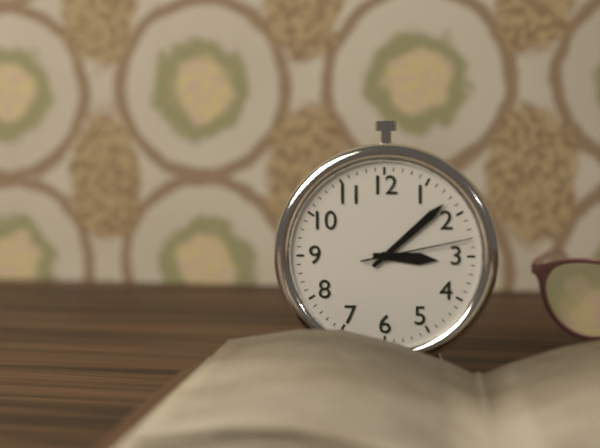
{"hour": 3, "minute": 8, "second": 13}
